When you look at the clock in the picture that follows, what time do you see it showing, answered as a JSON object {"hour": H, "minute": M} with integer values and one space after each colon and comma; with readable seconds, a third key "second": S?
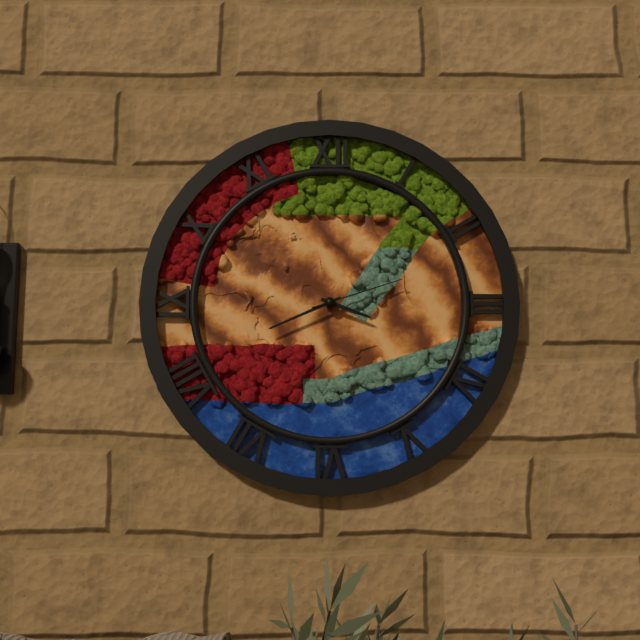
{"hour": 3, "minute": 41, "second": 12}
